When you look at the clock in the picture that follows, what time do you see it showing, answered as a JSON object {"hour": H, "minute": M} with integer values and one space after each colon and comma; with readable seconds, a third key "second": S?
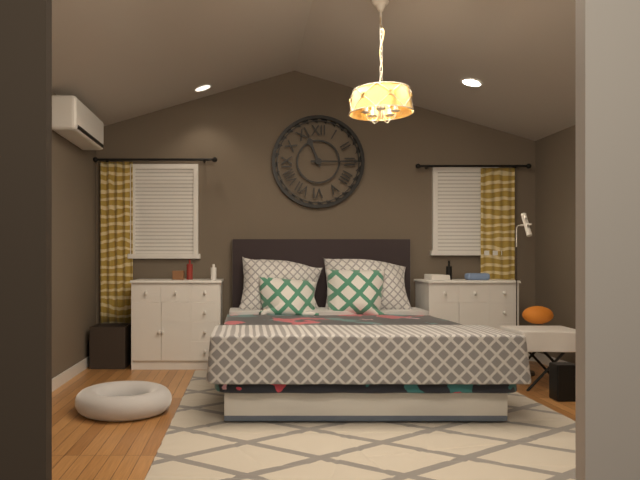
{"hour": 11, "minute": 15}
